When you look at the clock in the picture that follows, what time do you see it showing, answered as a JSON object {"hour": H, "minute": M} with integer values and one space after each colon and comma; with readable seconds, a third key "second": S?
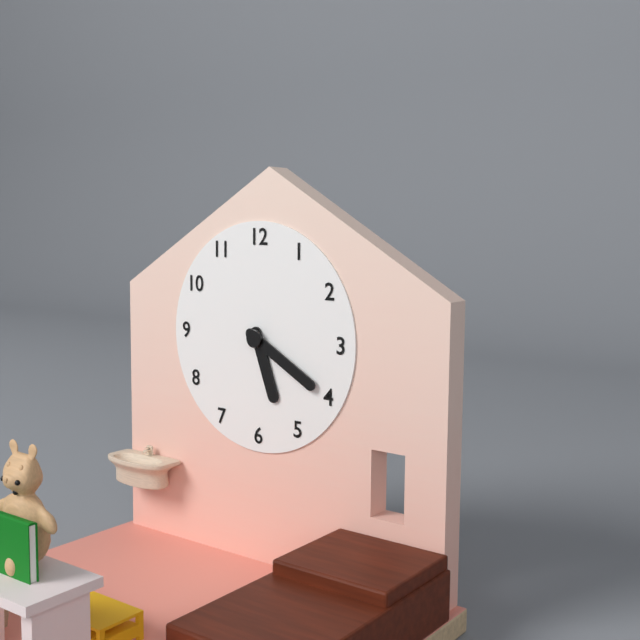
{"hour": 5, "minute": 20}
